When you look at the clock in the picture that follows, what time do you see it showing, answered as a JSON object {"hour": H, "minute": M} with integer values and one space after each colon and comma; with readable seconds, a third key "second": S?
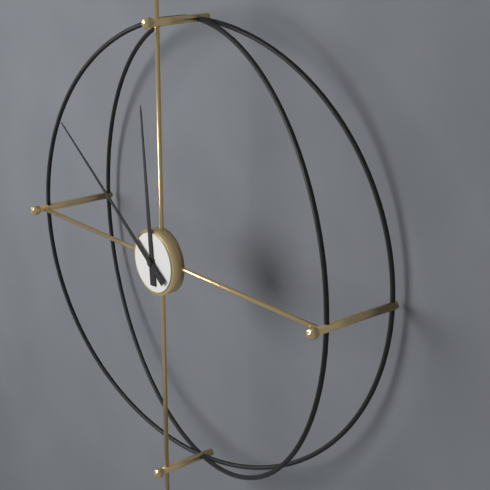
{"hour": 11, "minute": 51}
